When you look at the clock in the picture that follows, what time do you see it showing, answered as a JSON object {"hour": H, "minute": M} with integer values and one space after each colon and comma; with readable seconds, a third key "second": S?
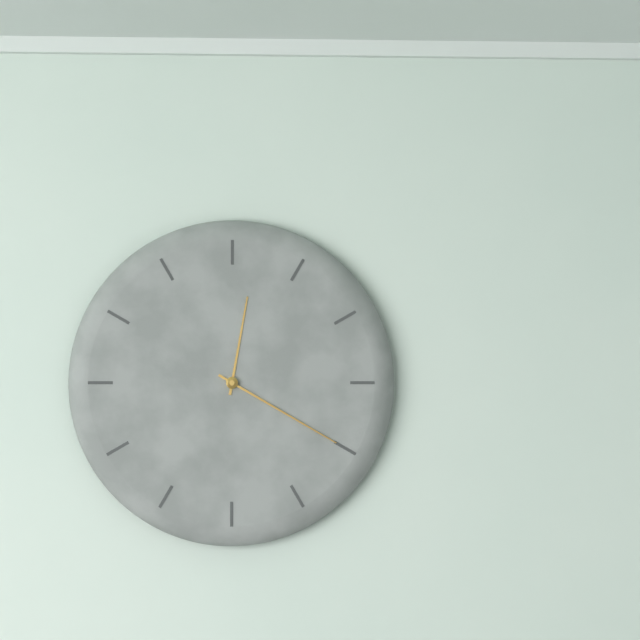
{"hour": 12, "minute": 20}
